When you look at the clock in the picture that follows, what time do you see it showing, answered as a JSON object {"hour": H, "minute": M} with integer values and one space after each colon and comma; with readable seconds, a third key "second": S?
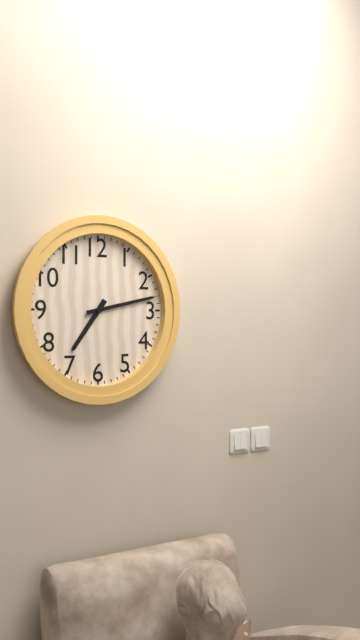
{"hour": 7, "minute": 13}
